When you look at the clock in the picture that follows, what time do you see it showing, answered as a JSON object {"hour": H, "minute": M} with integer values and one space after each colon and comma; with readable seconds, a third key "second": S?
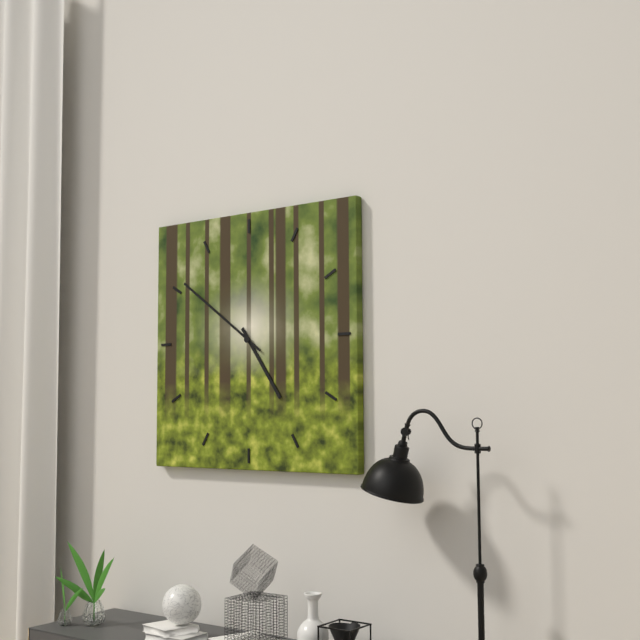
{"hour": 4, "minute": 51}
